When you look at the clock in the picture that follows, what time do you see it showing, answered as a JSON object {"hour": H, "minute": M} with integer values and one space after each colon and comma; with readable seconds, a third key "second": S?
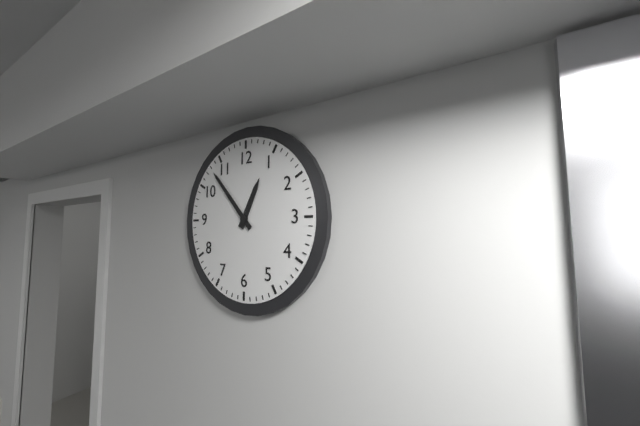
{"hour": 12, "minute": 53}
